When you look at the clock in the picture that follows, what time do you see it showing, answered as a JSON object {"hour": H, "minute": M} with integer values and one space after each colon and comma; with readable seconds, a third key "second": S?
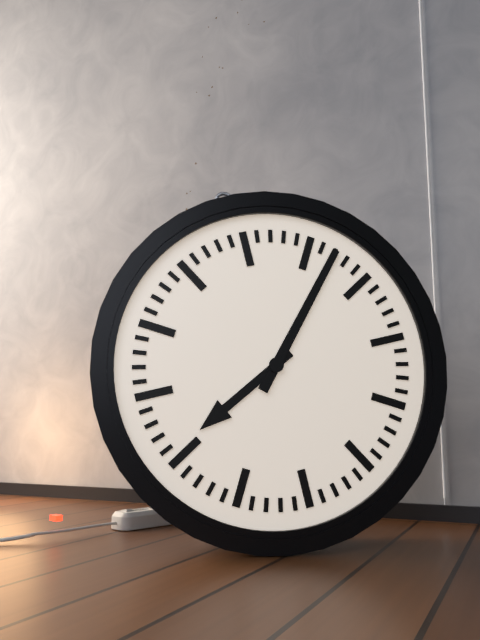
{"hour": 8, "minute": 7}
